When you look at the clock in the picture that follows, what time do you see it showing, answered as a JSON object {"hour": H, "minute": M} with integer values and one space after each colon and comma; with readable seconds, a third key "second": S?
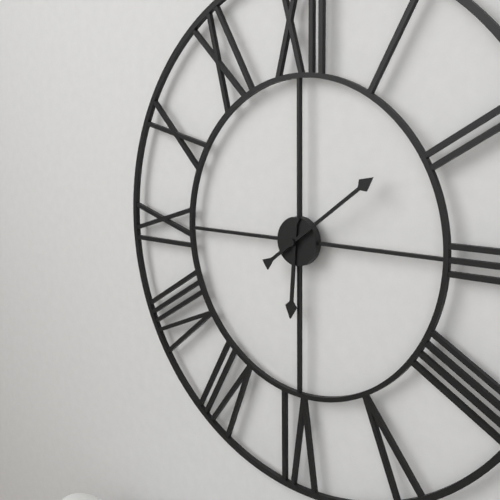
{"hour": 6, "minute": 9}
